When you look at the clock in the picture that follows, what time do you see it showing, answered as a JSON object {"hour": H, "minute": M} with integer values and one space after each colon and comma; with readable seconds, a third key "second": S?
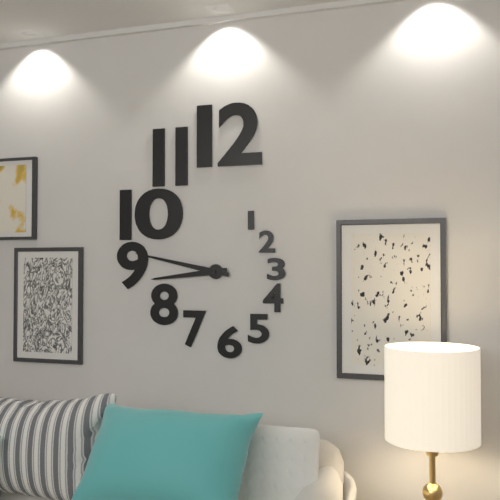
{"hour": 8, "minute": 47}
